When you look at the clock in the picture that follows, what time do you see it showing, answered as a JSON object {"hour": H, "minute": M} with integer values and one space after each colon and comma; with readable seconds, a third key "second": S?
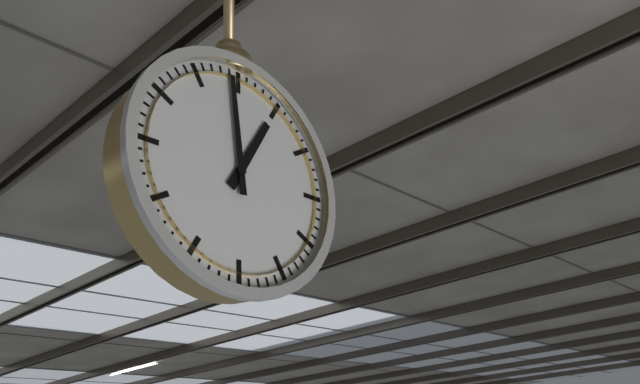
{"hour": 12, "minute": 59}
